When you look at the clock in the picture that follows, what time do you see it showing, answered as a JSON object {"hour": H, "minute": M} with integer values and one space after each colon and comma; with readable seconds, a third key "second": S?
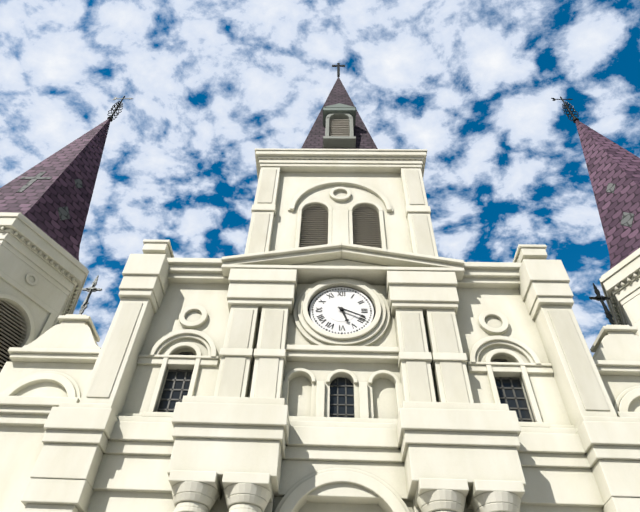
{"hour": 5, "minute": 19}
